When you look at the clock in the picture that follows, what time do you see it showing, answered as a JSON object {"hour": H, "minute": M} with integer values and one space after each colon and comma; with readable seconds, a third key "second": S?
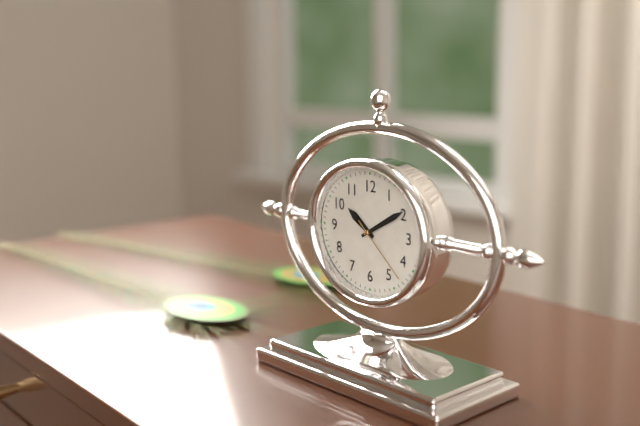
{"hour": 10, "minute": 10, "second": 22}
